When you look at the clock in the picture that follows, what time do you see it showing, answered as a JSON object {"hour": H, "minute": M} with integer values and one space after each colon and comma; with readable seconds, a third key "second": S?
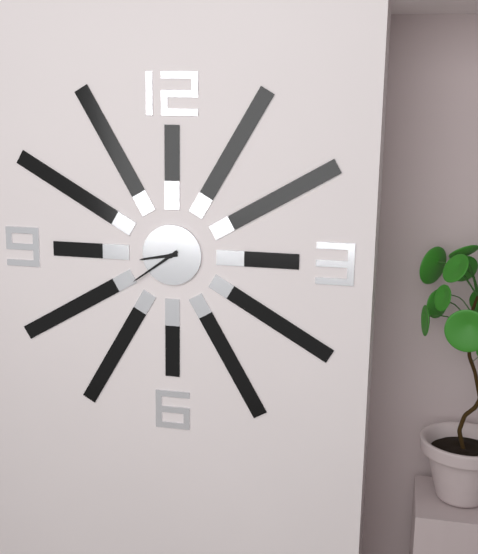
{"hour": 8, "minute": 39}
